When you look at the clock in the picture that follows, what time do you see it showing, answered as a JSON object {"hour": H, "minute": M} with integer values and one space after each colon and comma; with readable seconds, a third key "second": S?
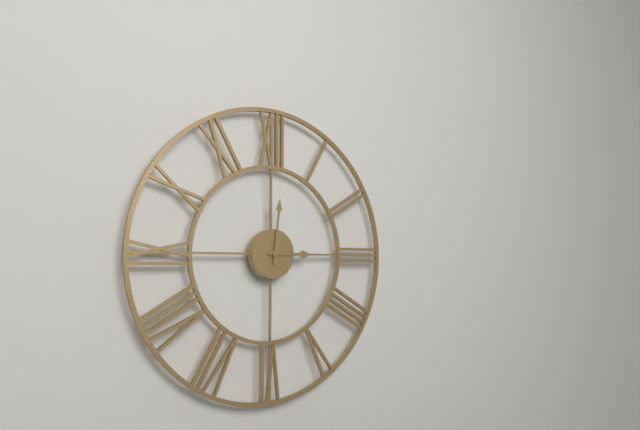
{"hour": 3, "minute": 1}
